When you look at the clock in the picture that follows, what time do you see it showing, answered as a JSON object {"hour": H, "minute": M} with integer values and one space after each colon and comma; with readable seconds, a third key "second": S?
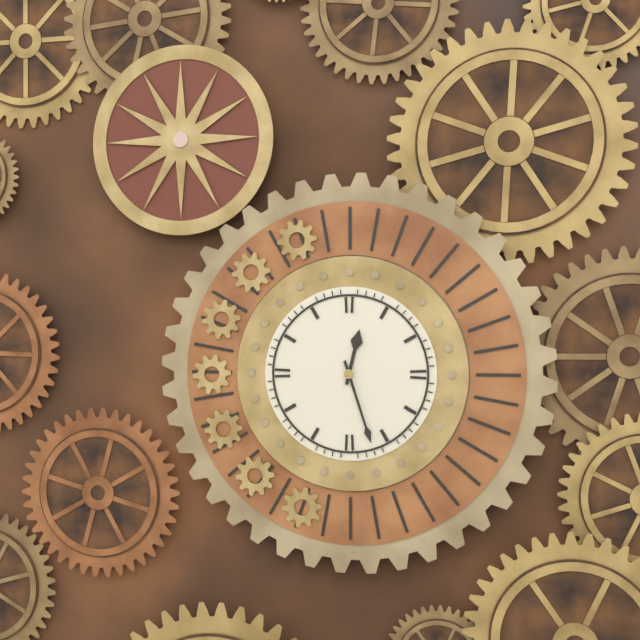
{"hour": 12, "minute": 27}
